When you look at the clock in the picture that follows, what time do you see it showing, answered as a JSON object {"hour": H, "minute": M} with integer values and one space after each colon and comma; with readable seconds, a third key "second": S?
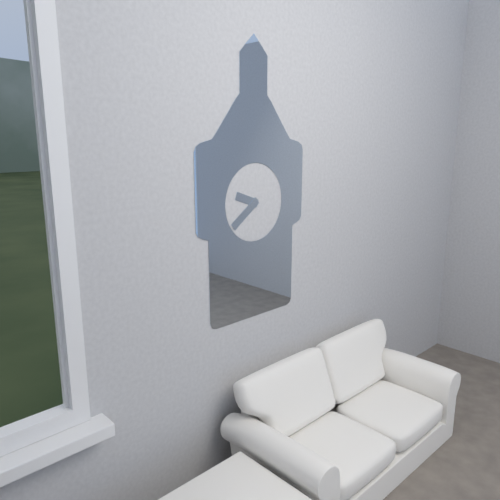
{"hour": 9, "minute": 39}
